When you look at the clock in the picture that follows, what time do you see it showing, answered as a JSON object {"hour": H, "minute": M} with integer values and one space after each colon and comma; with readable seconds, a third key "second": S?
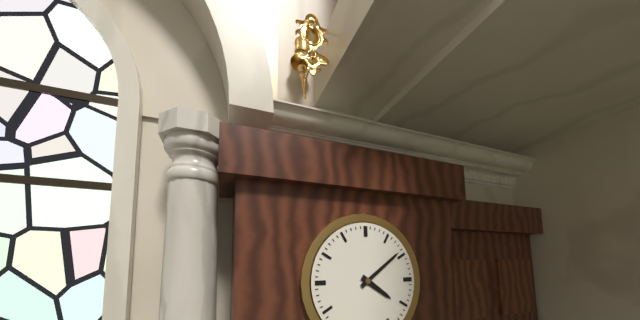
{"hour": 4, "minute": 9}
